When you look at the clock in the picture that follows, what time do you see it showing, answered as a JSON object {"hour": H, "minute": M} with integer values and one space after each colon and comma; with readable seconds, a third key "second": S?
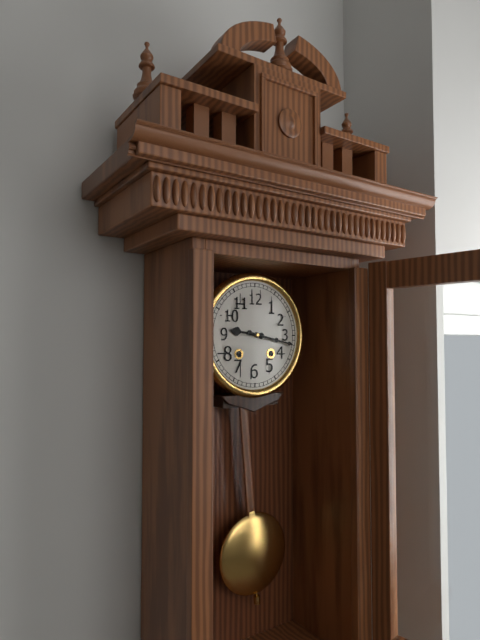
{"hour": 9, "minute": 17}
